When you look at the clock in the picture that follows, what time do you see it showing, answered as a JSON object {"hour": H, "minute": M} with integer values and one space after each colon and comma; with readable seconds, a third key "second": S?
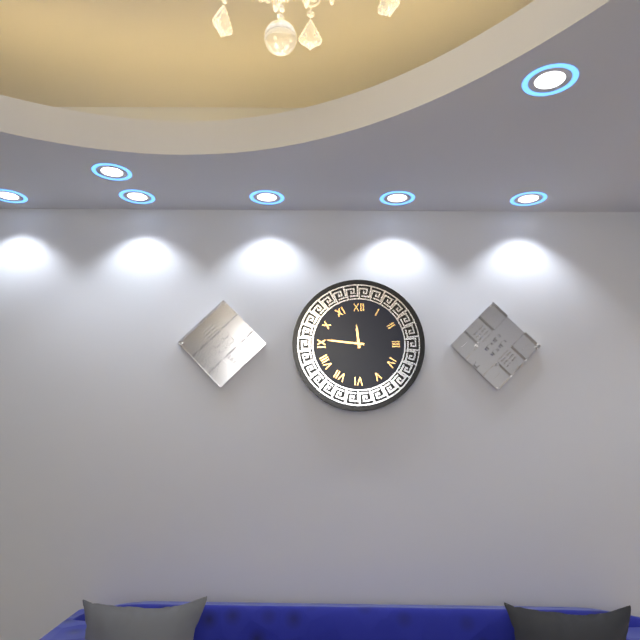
{"hour": 11, "minute": 46}
